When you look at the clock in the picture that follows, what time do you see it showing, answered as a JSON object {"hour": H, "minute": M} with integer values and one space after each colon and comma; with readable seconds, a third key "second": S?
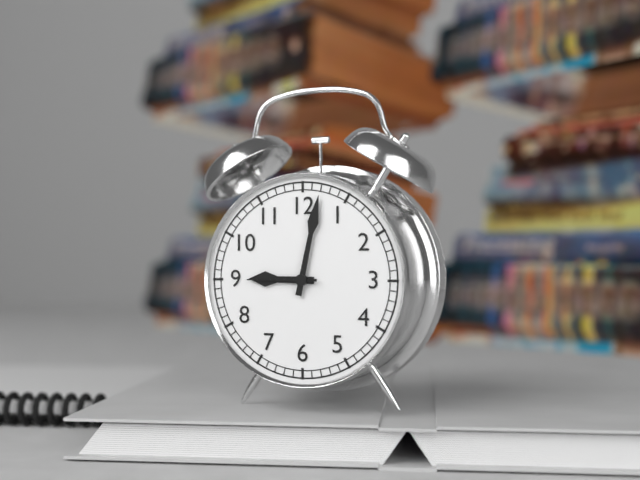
{"hour": 9, "minute": 2, "second": 45}
